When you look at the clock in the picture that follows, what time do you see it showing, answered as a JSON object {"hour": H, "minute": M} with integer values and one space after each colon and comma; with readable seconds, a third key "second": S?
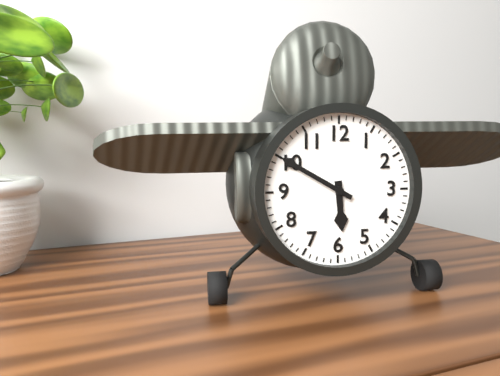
{"hour": 5, "minute": 50}
